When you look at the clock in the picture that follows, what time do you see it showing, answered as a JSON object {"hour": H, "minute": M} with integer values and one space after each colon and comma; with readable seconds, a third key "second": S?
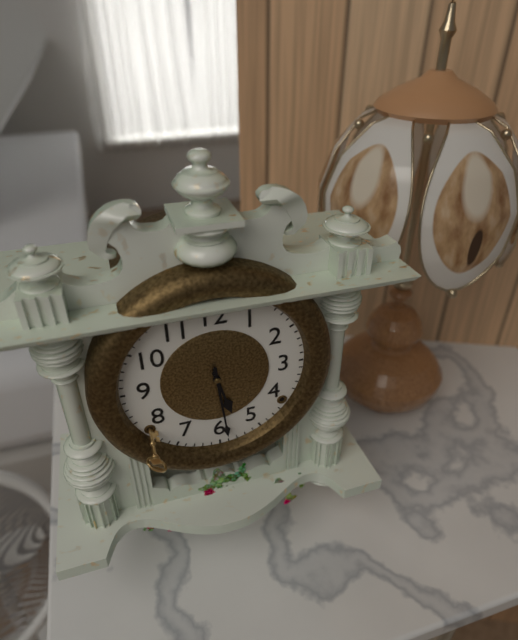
{"hour": 5, "minute": 29}
